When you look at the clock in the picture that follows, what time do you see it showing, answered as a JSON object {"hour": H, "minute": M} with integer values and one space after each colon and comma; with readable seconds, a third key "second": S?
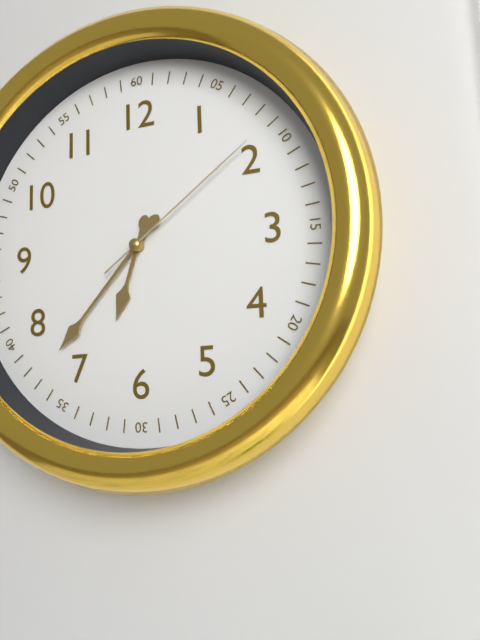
{"hour": 6, "minute": 37, "second": 9}
